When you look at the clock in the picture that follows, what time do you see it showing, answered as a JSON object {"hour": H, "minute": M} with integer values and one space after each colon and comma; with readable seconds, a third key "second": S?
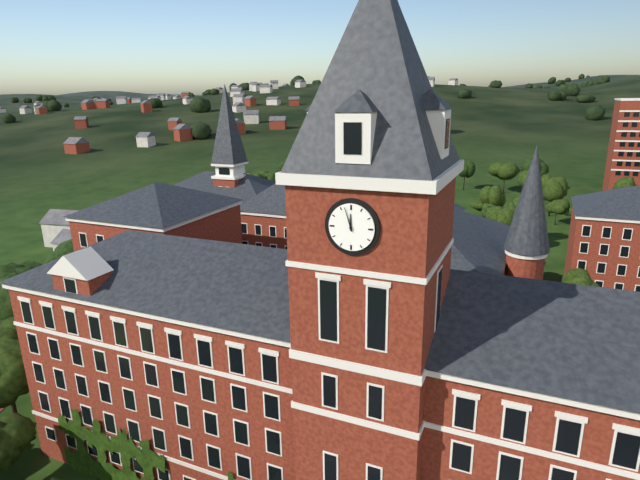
{"hour": 11, "minute": 57}
